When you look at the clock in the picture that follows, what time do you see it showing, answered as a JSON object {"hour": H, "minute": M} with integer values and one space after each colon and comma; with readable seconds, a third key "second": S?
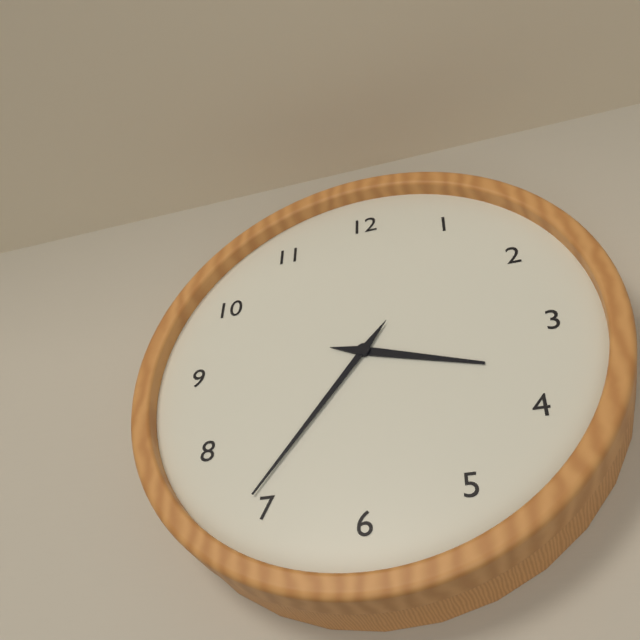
{"hour": 3, "minute": 36}
